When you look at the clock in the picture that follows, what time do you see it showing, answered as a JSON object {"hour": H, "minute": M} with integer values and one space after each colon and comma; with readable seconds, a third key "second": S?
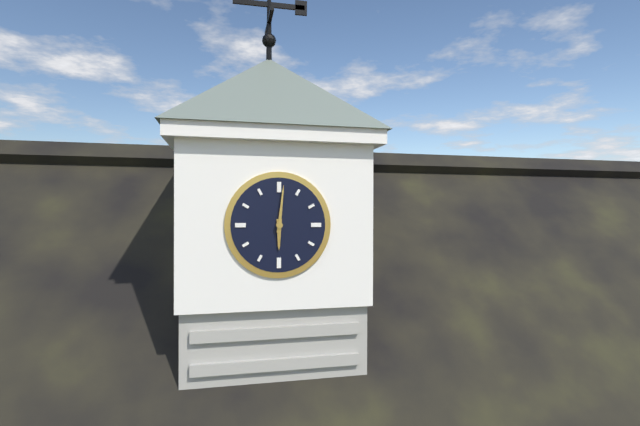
{"hour": 6, "minute": 1}
